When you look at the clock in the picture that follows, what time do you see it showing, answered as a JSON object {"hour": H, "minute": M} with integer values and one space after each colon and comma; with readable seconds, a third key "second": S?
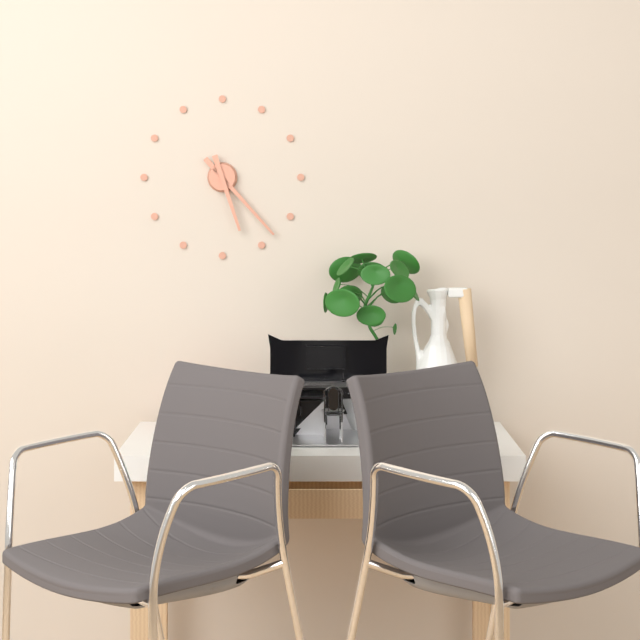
{"hour": 5, "minute": 23}
